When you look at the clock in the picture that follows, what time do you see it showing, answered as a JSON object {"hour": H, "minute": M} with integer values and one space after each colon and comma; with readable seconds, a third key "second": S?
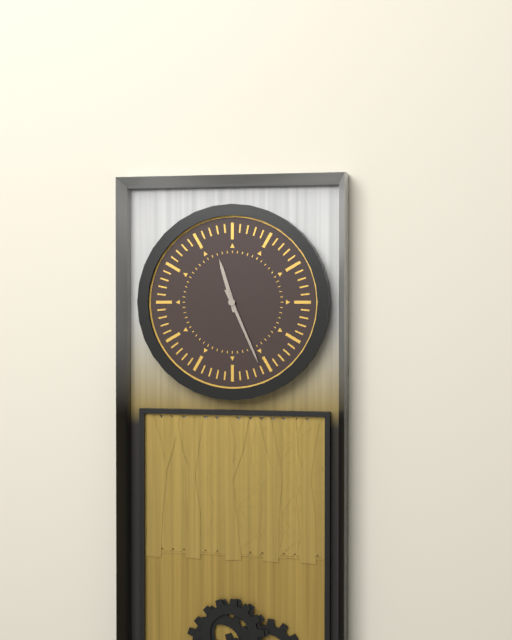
{"hour": 11, "minute": 26}
